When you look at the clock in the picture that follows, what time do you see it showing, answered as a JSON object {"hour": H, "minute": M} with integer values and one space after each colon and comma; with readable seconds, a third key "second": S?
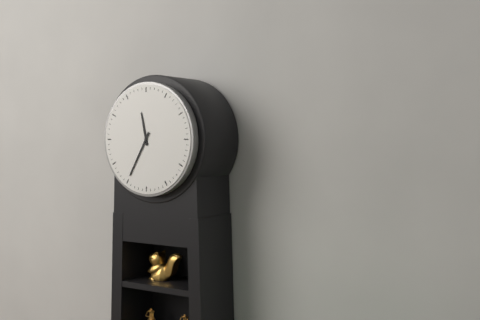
{"hour": 11, "minute": 35}
